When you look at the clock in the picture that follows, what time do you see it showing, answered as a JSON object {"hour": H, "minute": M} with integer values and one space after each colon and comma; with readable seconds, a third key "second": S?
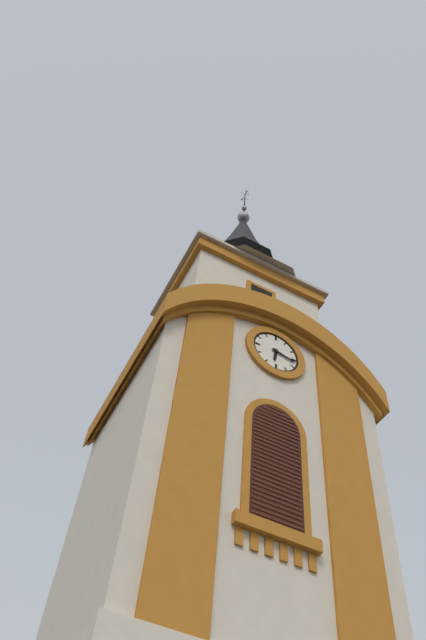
{"hour": 6, "minute": 17}
